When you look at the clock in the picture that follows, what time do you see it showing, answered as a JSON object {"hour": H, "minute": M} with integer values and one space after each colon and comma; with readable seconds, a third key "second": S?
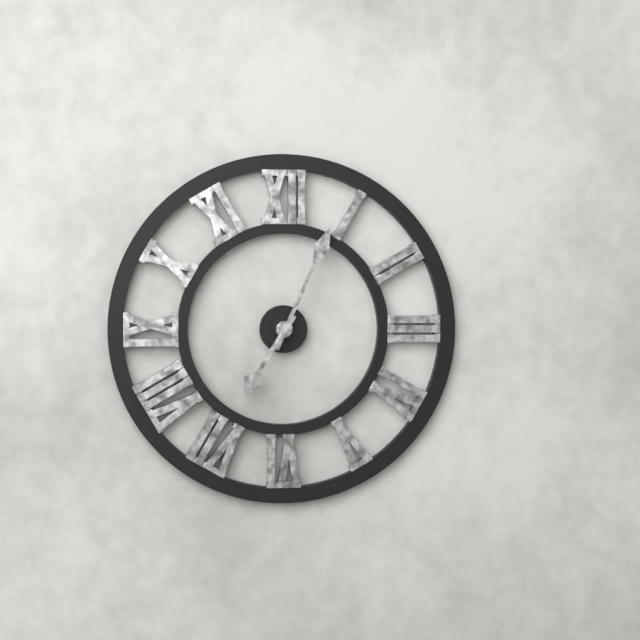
{"hour": 7, "minute": 4}
